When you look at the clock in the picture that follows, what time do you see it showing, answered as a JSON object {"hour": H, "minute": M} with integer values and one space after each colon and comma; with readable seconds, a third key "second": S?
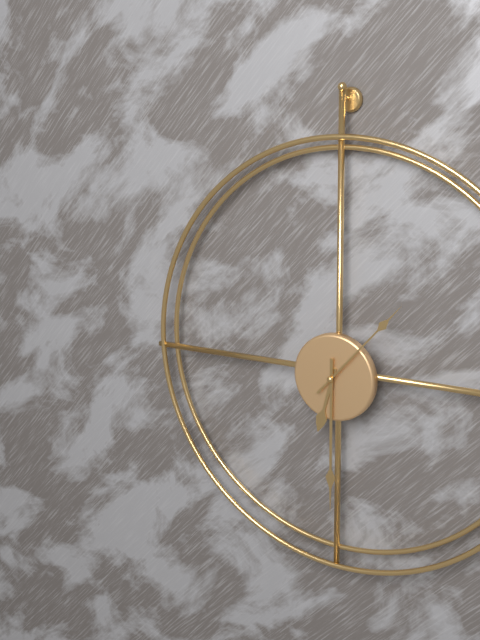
{"hour": 6, "minute": 30, "second": 7}
